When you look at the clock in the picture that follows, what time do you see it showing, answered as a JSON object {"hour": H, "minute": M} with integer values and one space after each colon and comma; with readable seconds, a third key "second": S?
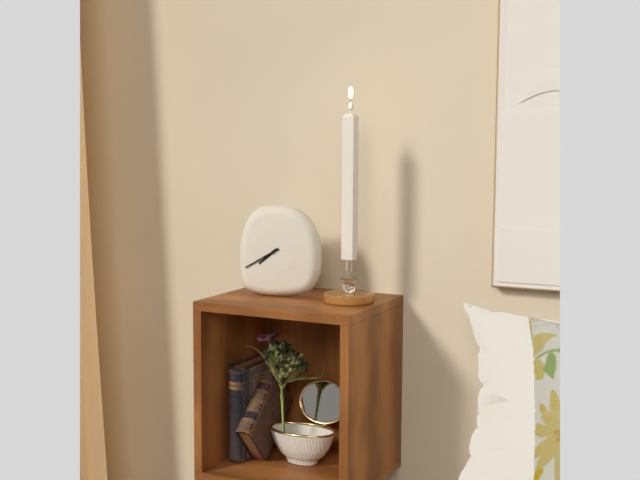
{"hour": 7, "minute": 40}
